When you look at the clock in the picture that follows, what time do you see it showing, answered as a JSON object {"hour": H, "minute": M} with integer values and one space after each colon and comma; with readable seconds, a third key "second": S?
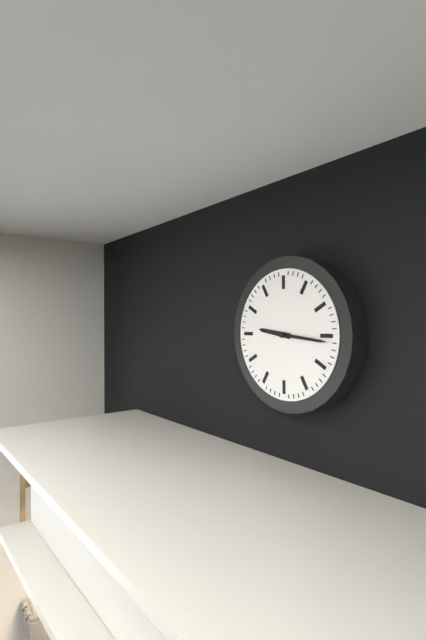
{"hour": 9, "minute": 16}
